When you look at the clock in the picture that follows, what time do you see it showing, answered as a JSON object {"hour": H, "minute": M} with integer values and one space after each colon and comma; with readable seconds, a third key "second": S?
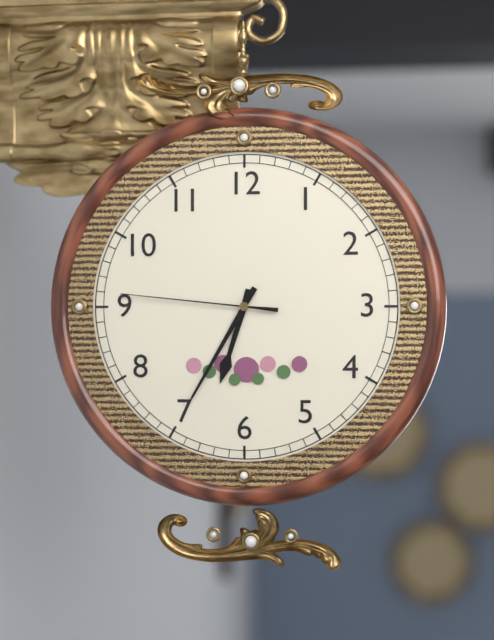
{"hour": 6, "minute": 35, "second": 46}
